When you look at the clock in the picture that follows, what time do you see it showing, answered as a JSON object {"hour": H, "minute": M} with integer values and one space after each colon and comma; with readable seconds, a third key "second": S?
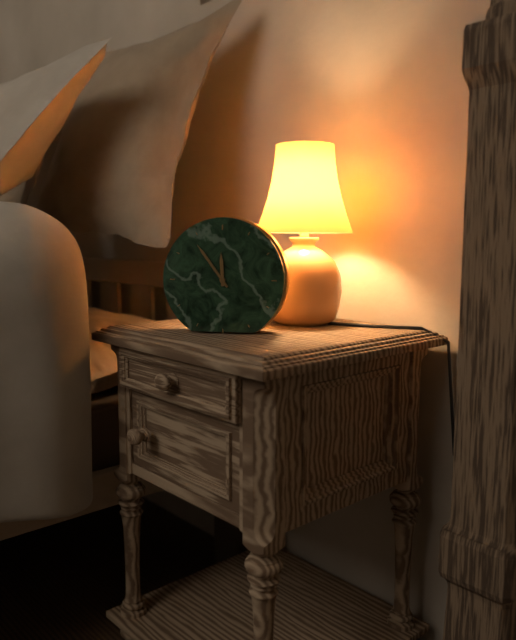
{"hour": 11, "minute": 54}
